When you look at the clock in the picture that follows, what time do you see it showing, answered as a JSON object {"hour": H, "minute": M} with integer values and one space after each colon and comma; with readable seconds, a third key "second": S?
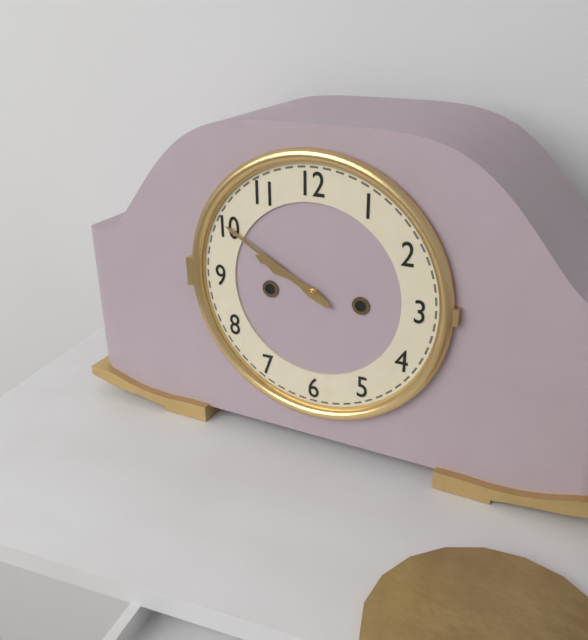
{"hour": 9, "minute": 50}
